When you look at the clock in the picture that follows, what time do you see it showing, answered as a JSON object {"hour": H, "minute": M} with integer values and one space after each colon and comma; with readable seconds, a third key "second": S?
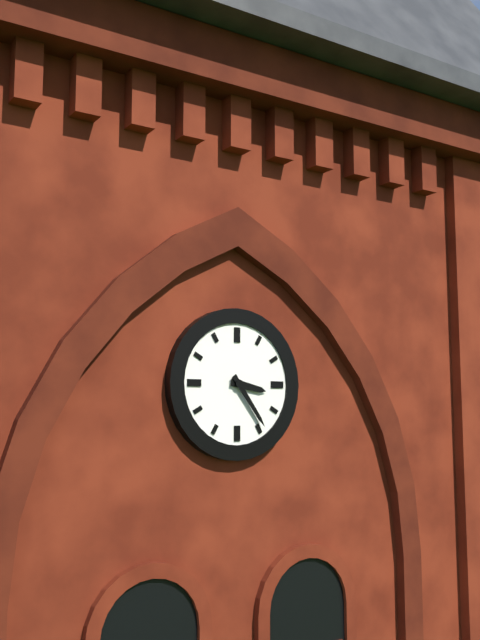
{"hour": 3, "minute": 24}
